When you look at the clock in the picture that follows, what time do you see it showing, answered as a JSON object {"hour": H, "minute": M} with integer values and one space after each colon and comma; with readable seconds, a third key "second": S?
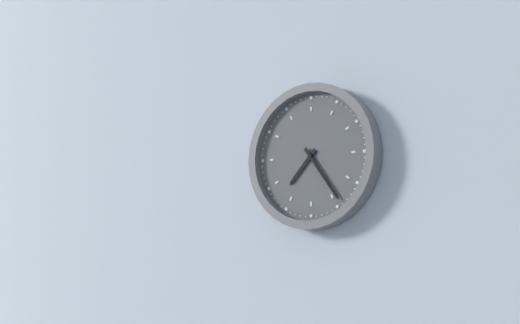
{"hour": 7, "minute": 24}
